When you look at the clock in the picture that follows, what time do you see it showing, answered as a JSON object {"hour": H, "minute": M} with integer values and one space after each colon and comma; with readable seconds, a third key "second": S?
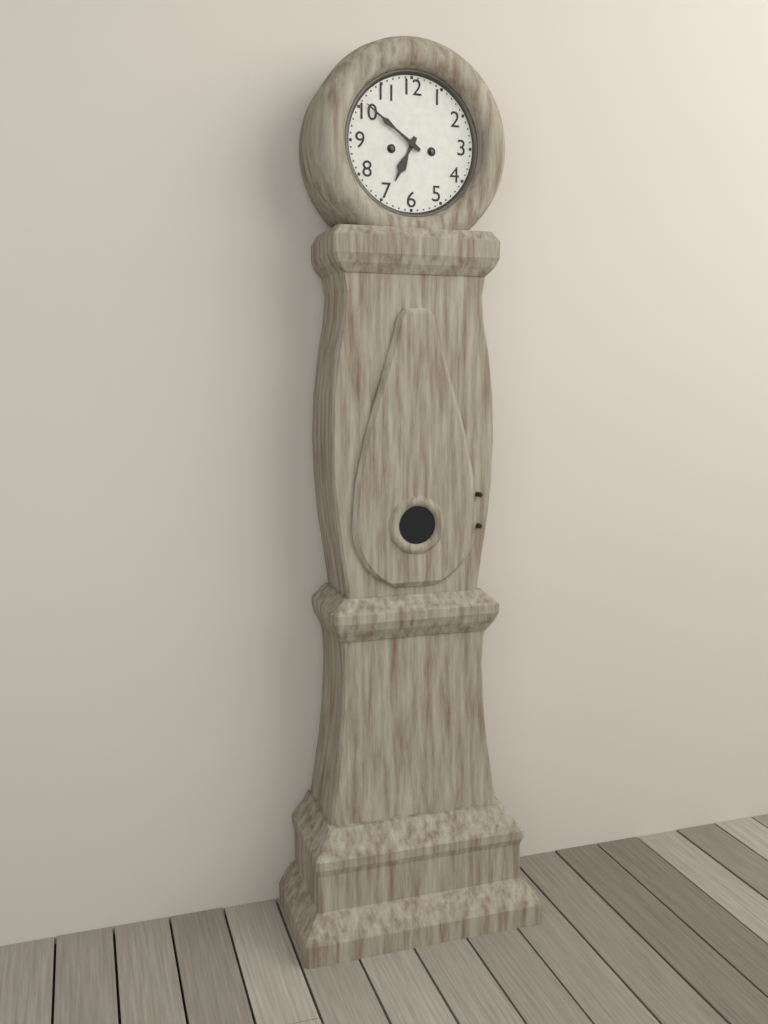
{"hour": 6, "minute": 51}
